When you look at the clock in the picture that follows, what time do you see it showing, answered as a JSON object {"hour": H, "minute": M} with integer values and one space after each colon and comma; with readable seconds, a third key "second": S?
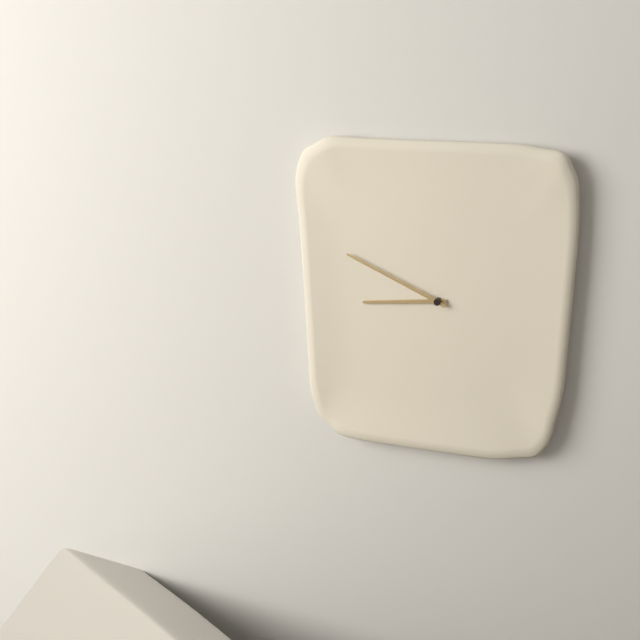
{"hour": 8, "minute": 49}
